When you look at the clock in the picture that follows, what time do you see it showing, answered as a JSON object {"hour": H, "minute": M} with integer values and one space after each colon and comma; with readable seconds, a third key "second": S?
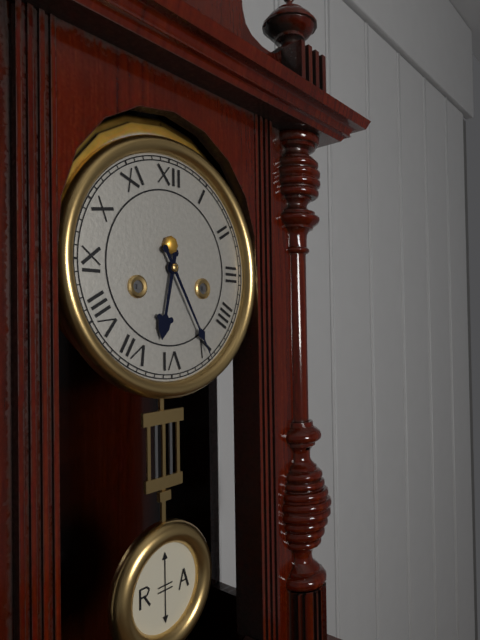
{"hour": 6, "minute": 25}
